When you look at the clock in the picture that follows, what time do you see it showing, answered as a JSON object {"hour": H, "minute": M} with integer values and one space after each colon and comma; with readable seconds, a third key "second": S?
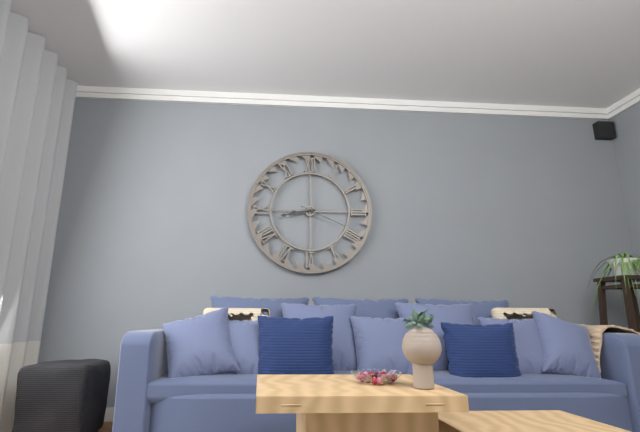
{"hour": 8, "minute": 43}
